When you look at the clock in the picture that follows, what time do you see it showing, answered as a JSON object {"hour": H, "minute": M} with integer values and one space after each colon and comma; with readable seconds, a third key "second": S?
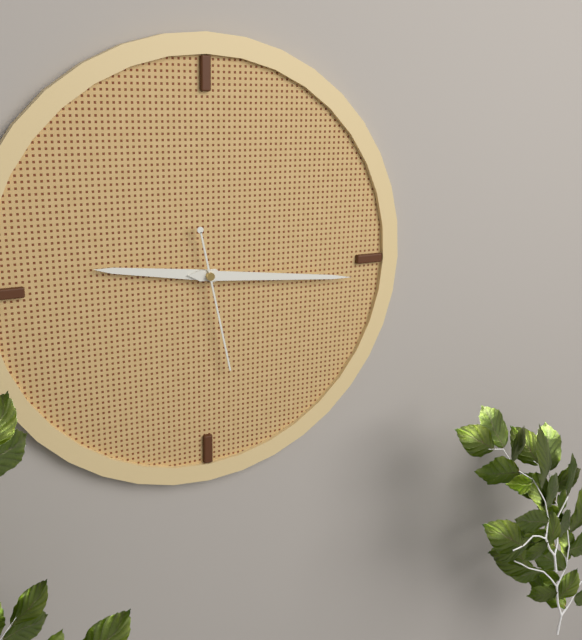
{"hour": 9, "minute": 16, "second": 28}
